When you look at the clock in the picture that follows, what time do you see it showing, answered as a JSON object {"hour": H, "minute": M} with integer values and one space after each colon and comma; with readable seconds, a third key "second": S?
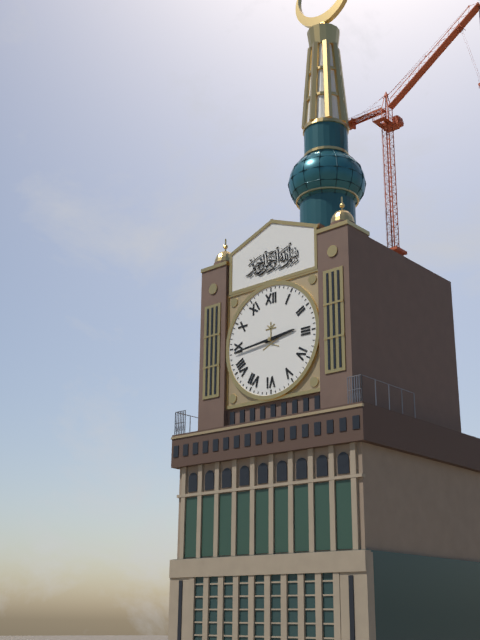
{"hour": 2, "minute": 44}
